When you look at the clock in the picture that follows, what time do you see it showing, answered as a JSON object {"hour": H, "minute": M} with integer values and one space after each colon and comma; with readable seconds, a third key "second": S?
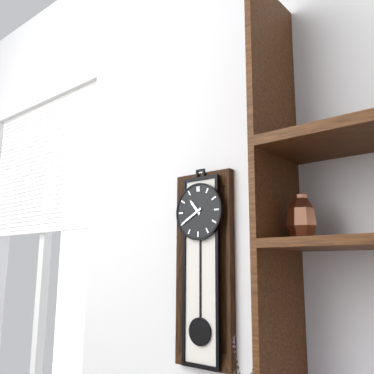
{"hour": 10, "minute": 40}
